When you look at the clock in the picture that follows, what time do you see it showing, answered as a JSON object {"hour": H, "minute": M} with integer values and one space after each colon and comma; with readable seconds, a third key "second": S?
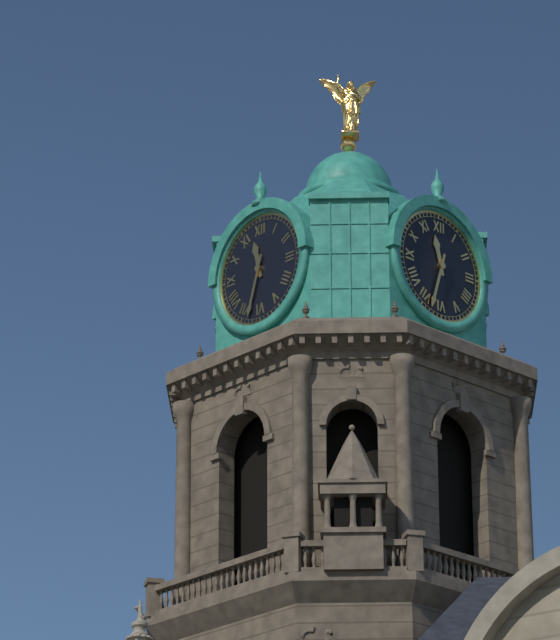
{"hour": 11, "minute": 33}
